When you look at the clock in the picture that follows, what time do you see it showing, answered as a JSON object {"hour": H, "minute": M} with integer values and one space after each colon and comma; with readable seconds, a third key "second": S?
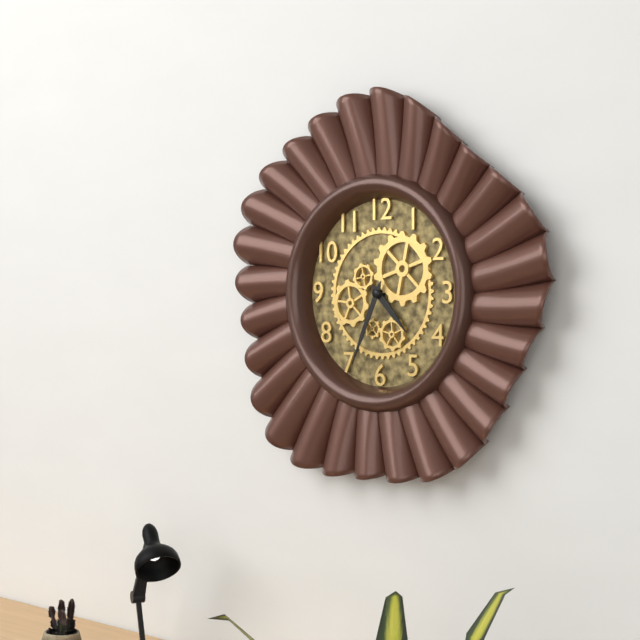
{"hour": 4, "minute": 34}
